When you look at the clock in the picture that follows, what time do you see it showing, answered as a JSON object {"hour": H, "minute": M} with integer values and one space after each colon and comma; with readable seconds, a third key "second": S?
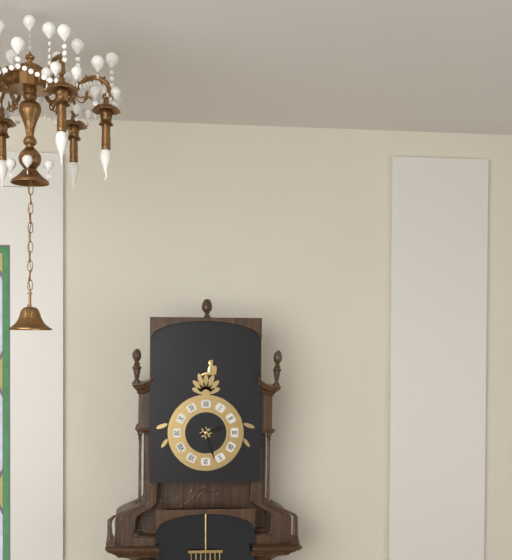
{"hour": 2, "minute": 27}
